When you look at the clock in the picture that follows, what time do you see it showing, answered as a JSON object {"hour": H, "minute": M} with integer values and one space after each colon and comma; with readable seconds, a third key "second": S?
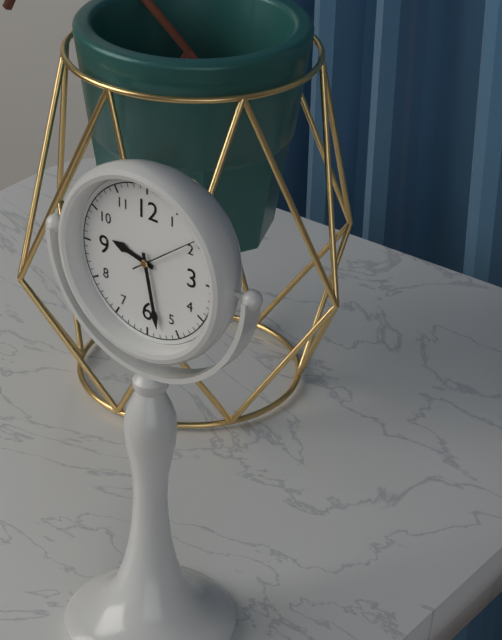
{"hour": 9, "minute": 28, "second": 9}
